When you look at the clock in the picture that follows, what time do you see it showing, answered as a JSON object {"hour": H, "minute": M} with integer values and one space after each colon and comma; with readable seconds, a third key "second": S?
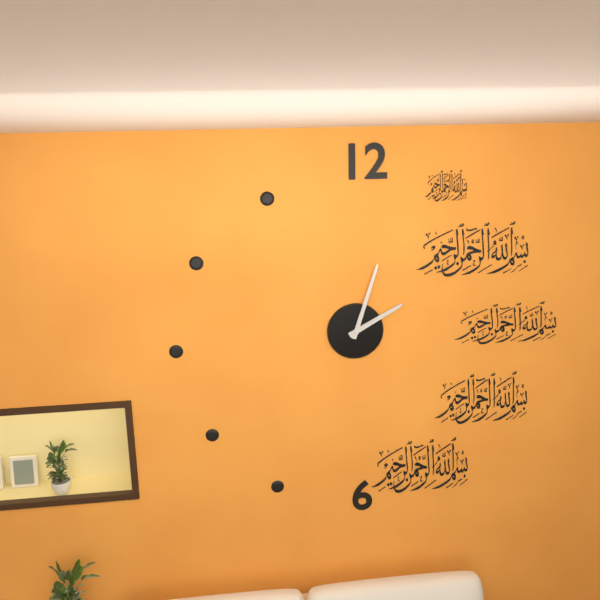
{"hour": 2, "minute": 3}
